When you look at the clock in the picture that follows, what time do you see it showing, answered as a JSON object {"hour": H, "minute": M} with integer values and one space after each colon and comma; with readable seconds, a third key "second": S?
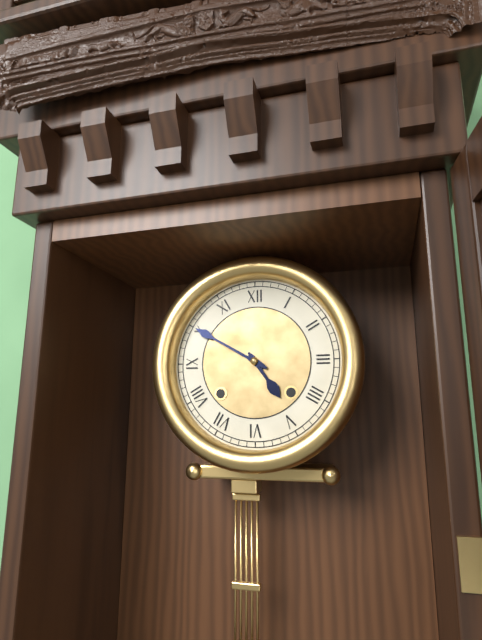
{"hour": 4, "minute": 50}
